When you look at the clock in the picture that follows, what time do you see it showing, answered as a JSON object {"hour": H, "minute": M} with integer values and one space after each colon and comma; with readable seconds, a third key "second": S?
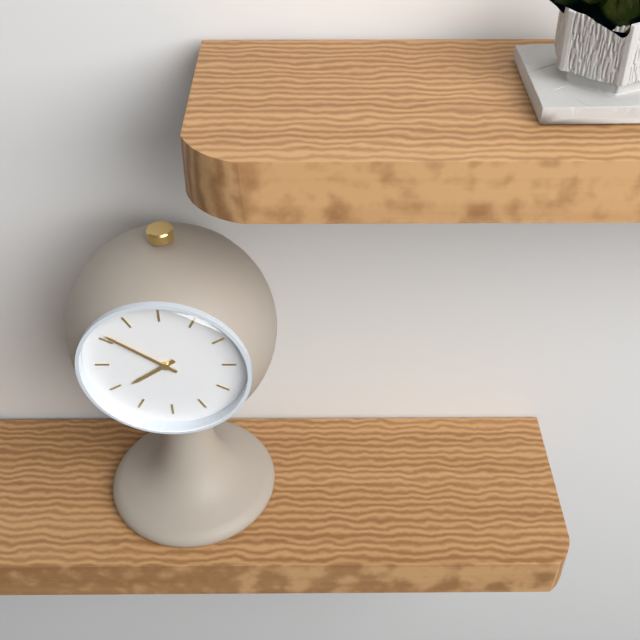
{"hour": 7, "minute": 51}
